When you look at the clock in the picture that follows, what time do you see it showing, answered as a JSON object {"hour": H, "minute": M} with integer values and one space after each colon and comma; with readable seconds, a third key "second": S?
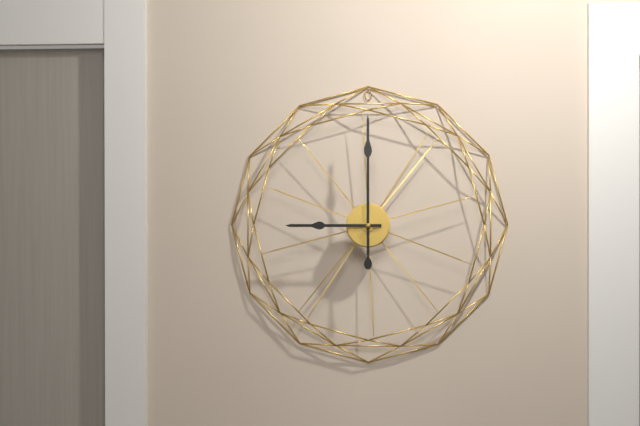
{"hour": 9, "minute": 0}
